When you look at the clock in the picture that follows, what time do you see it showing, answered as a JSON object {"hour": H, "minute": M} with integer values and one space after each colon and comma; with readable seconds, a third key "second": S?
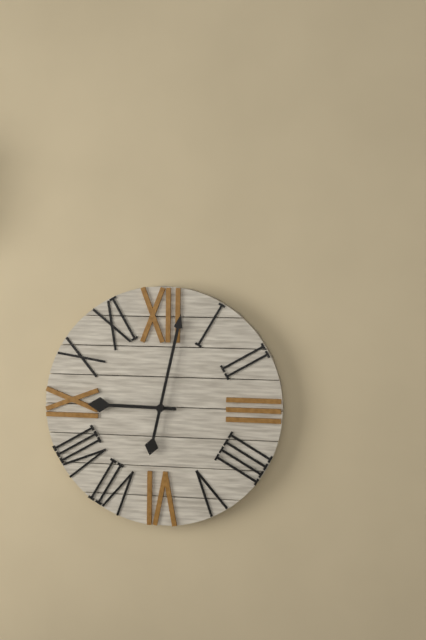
{"hour": 9, "minute": 2}
